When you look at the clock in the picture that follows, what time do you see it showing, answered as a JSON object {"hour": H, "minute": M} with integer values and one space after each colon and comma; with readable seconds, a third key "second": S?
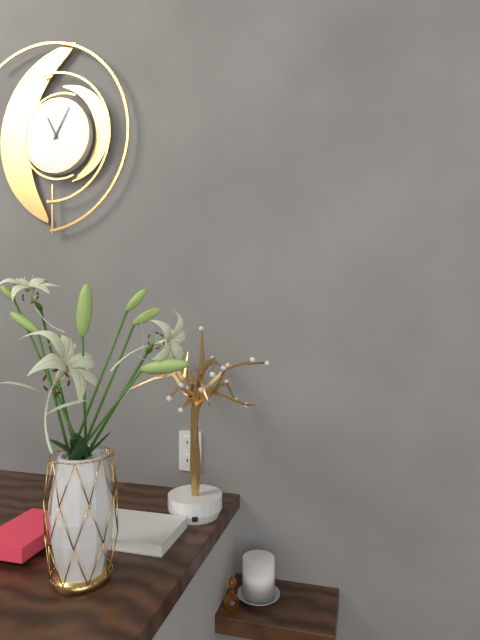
{"hour": 11, "minute": 5}
